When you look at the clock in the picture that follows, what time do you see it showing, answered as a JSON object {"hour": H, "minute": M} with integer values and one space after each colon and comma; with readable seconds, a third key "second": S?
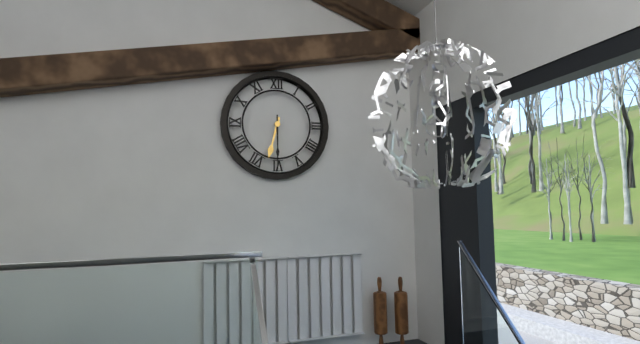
{"hour": 6, "minute": 30}
